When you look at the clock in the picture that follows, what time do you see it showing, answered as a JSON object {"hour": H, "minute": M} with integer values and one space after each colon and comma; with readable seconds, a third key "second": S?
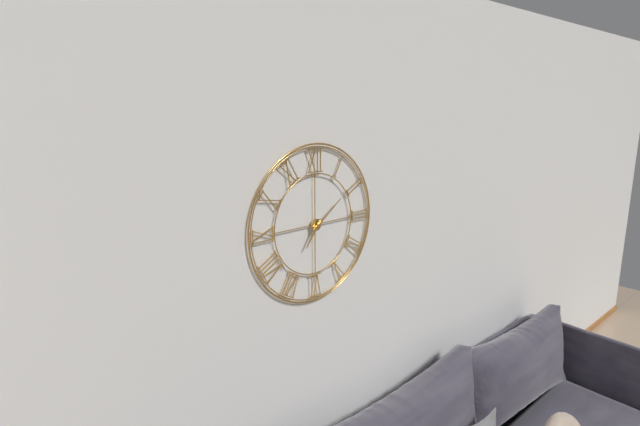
{"hour": 7, "minute": 9}
